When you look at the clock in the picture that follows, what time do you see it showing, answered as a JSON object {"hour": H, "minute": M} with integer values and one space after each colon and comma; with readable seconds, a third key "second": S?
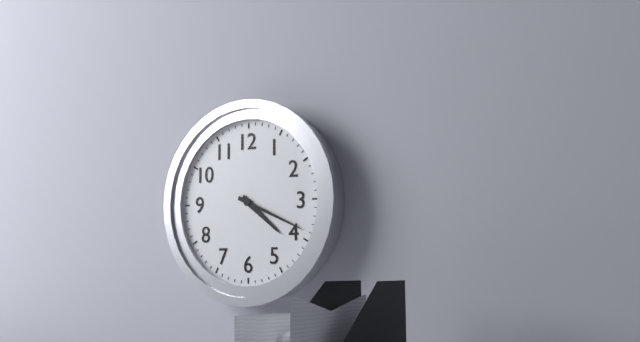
{"hour": 4, "minute": 19}
